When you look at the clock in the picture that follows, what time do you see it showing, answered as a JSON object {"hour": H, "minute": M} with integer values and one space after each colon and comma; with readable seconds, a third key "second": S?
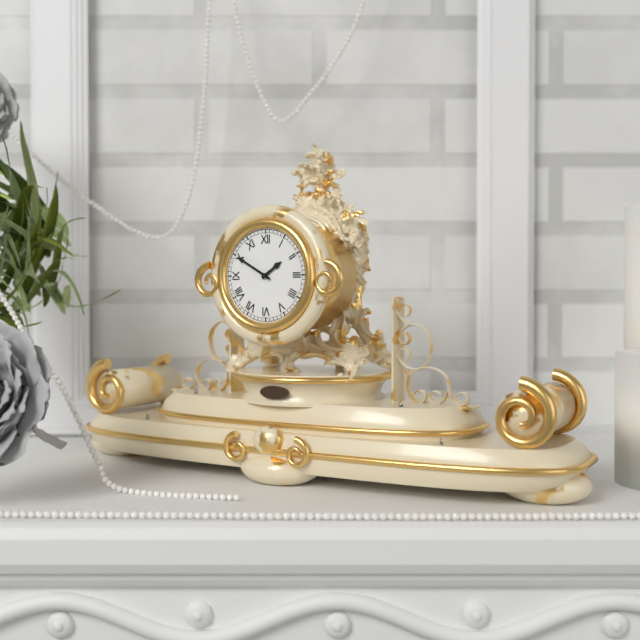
{"hour": 1, "minute": 50}
